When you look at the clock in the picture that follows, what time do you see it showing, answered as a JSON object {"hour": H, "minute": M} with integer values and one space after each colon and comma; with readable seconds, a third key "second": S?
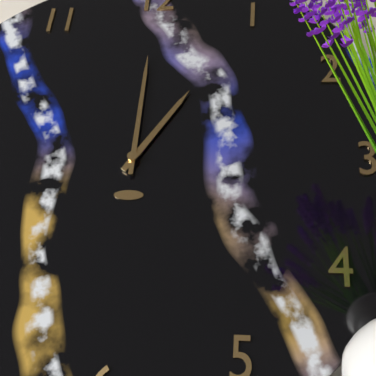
{"hour": 1, "minute": 0}
